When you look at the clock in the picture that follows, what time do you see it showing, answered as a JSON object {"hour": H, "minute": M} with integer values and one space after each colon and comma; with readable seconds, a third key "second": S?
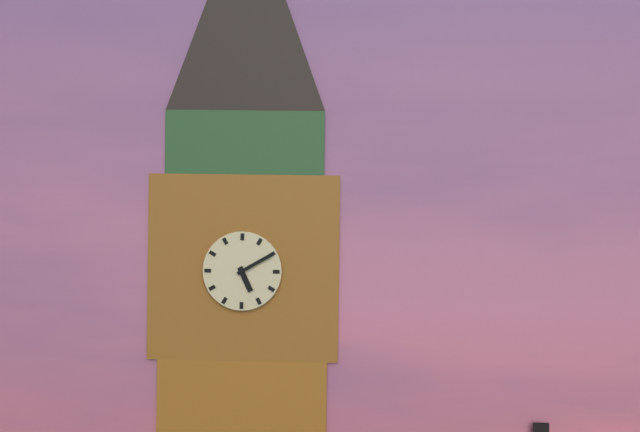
{"hour": 5, "minute": 10}
